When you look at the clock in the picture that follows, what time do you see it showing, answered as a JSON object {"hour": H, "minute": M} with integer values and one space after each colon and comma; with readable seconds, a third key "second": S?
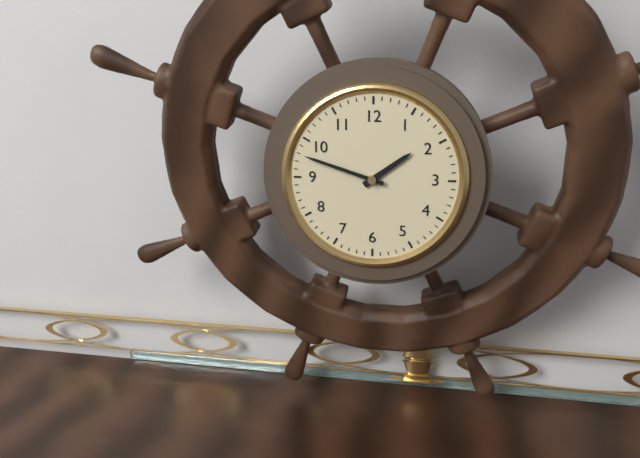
{"hour": 1, "minute": 48}
